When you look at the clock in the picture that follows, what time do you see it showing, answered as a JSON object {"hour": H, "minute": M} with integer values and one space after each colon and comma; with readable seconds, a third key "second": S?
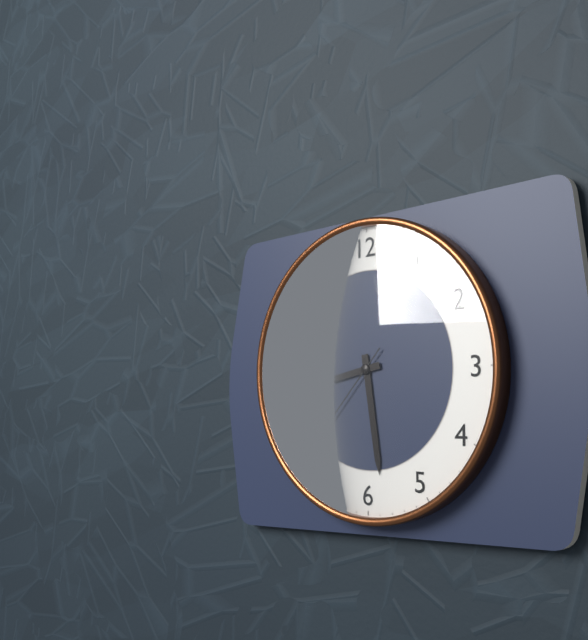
{"hour": 5, "minute": 43, "second": 37}
